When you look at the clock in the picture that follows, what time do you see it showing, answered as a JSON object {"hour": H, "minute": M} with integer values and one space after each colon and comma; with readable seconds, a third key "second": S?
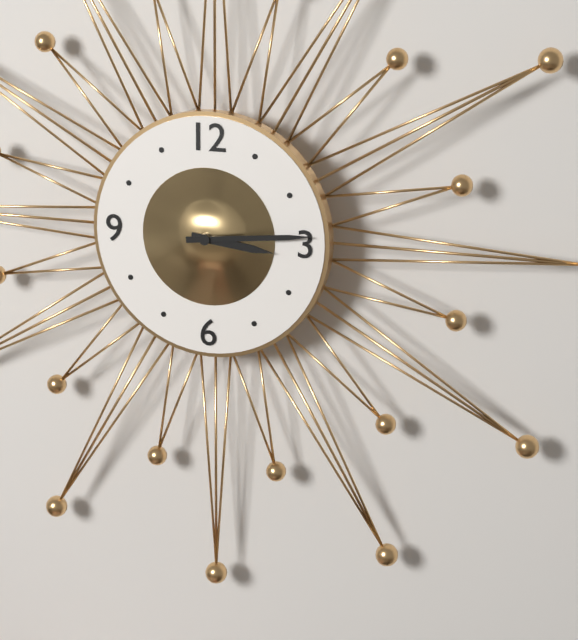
{"hour": 3, "minute": 14}
